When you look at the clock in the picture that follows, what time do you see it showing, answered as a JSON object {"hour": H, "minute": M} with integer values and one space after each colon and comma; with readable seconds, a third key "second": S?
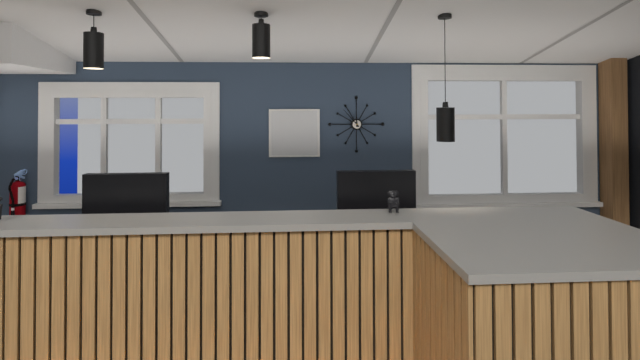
{"hour": 11, "minute": 53}
